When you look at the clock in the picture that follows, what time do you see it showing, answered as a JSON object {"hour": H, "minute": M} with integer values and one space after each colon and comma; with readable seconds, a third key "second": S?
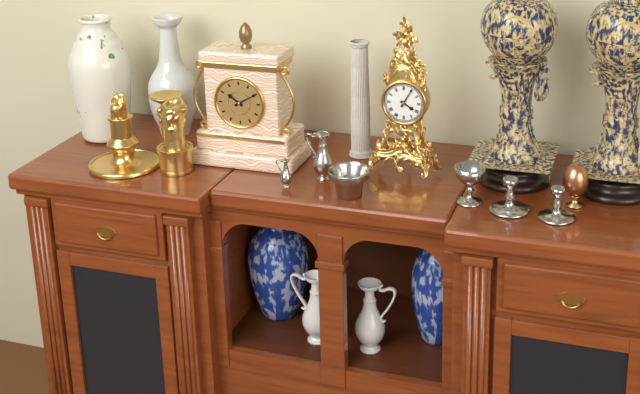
{"hour": 4, "minute": 5}
